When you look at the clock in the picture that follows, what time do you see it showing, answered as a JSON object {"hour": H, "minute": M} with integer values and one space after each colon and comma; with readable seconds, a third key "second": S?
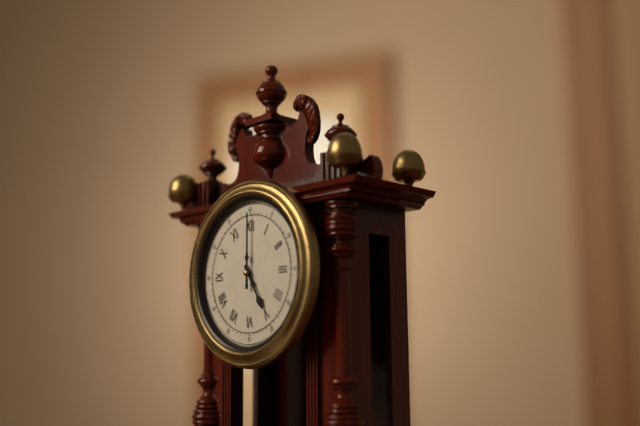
{"hour": 5, "minute": 0}
